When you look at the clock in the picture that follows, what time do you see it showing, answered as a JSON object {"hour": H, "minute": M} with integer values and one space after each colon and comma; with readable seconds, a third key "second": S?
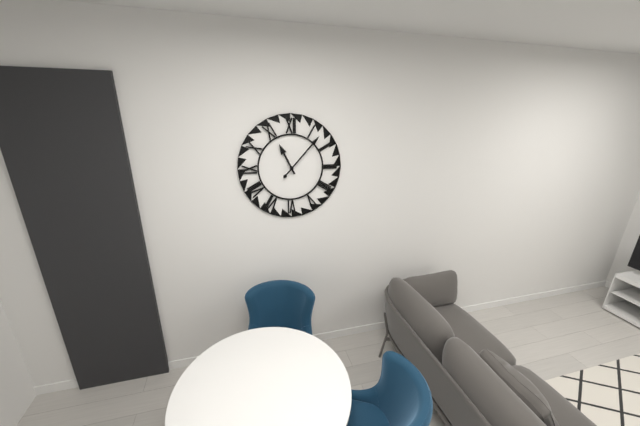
{"hour": 11, "minute": 7}
